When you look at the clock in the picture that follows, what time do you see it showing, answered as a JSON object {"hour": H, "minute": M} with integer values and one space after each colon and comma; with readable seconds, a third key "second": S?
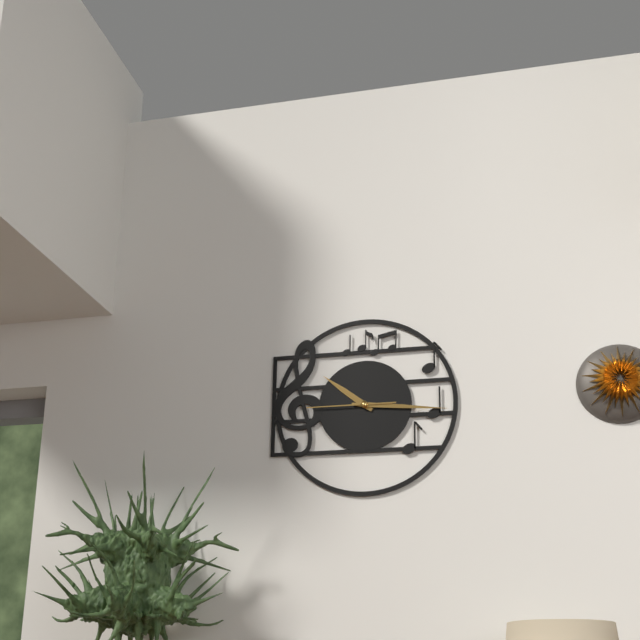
{"hour": 10, "minute": 16, "second": 45}
